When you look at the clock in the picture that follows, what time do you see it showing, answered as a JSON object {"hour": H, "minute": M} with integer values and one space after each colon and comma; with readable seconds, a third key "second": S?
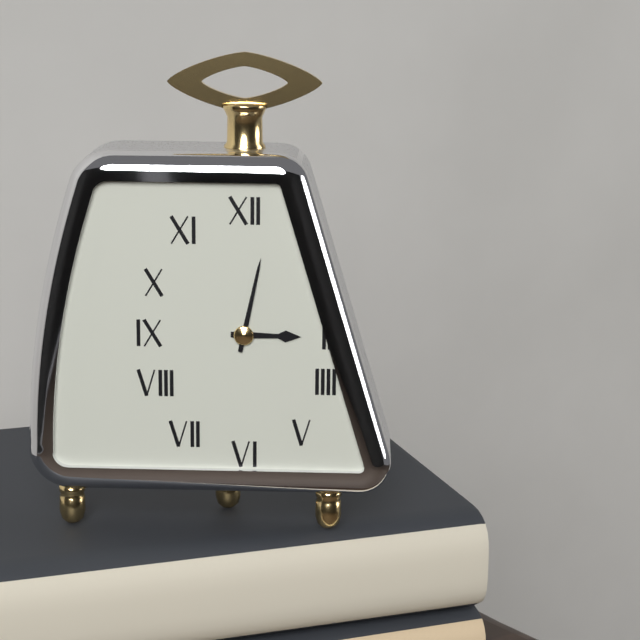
{"hour": 3, "minute": 2}
